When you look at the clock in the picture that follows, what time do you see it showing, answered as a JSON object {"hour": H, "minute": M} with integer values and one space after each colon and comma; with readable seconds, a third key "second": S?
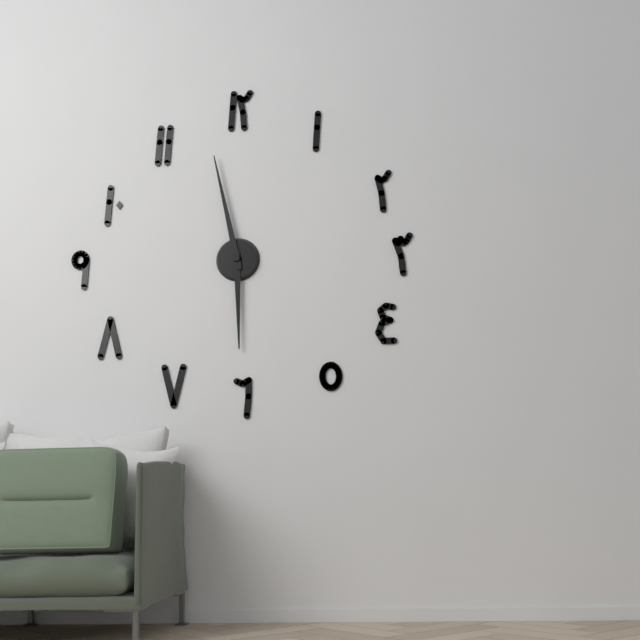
{"hour": 5, "minute": 58}
